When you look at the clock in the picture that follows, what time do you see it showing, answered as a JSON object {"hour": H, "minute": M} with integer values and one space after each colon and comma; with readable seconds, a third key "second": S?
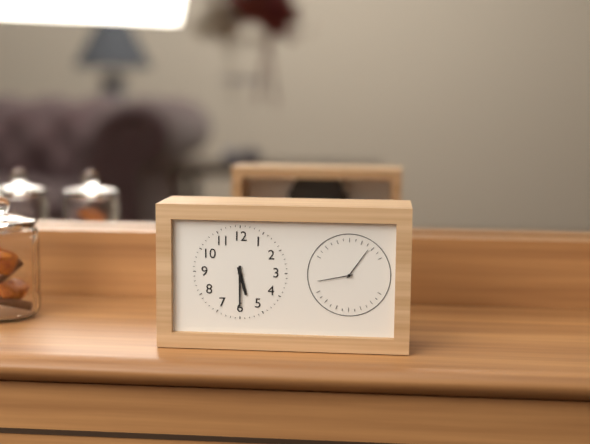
{"hour": 5, "minute": 30}
